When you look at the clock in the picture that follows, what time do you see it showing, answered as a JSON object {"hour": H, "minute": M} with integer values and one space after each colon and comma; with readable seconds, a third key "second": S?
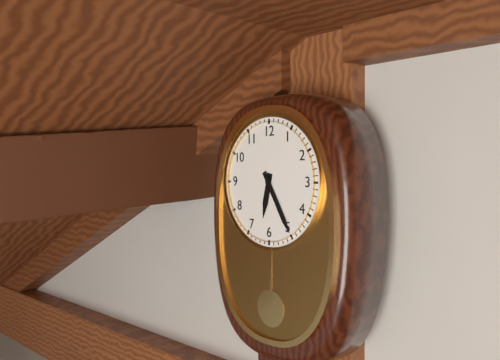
{"hour": 6, "minute": 25}
